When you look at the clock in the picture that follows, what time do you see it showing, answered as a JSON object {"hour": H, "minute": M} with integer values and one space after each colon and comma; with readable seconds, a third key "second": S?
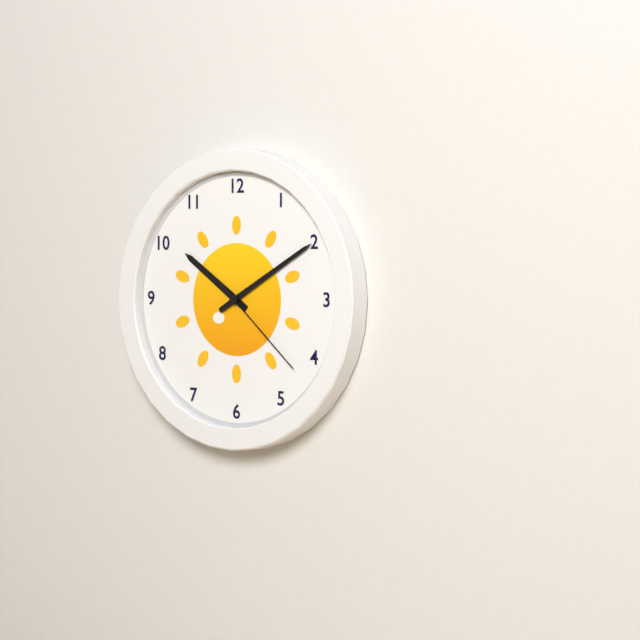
{"hour": 10, "minute": 10, "second": 22}
